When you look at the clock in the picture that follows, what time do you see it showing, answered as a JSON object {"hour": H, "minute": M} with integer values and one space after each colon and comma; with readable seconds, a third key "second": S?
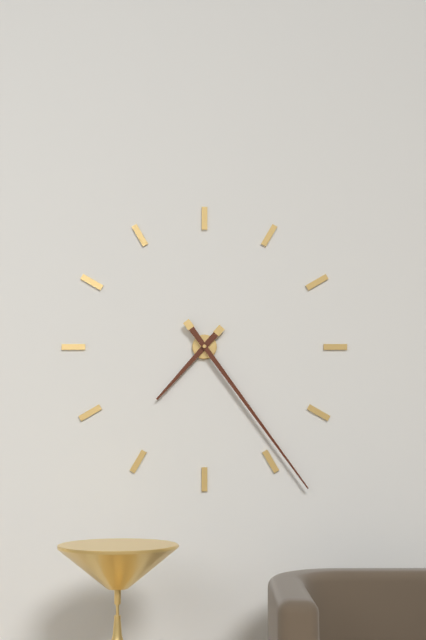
{"hour": 7, "minute": 24}
